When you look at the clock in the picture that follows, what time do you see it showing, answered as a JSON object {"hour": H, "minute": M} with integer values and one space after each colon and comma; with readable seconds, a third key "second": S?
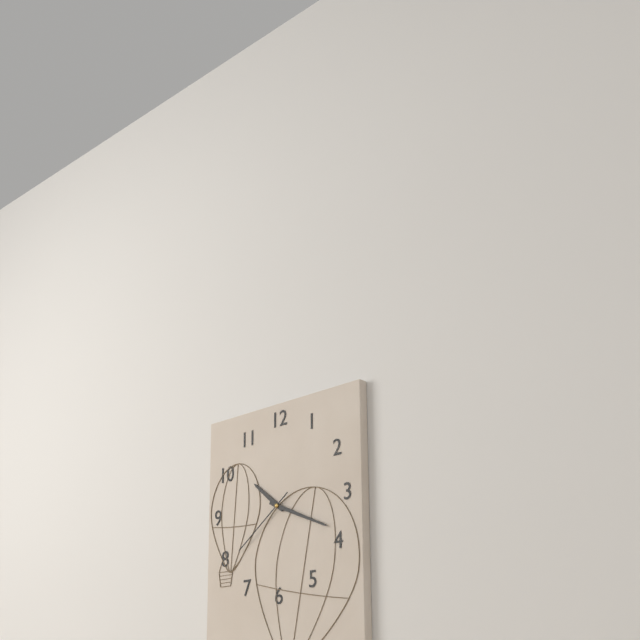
{"hour": 10, "minute": 19, "second": 39}
